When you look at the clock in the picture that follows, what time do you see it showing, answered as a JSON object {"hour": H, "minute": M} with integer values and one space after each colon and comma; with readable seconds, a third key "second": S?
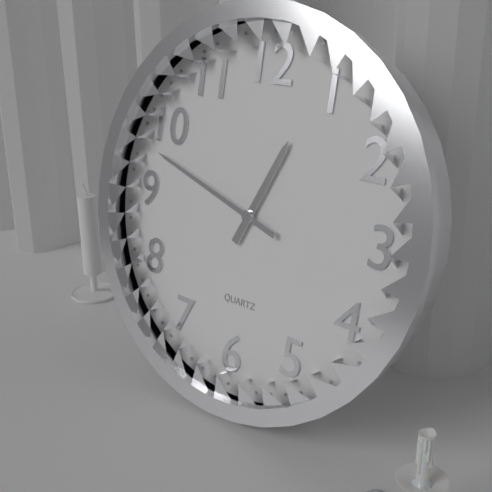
{"hour": 12, "minute": 48}
